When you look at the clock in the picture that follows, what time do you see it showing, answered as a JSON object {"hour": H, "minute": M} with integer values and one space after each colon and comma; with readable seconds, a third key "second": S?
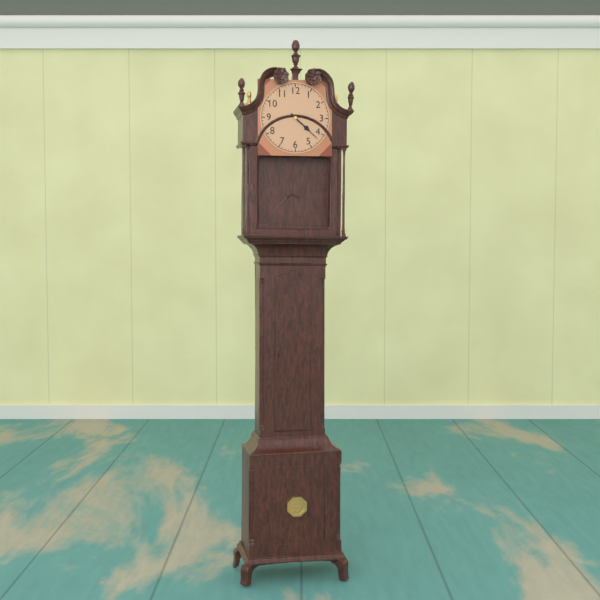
{"hour": 4, "minute": 22}
